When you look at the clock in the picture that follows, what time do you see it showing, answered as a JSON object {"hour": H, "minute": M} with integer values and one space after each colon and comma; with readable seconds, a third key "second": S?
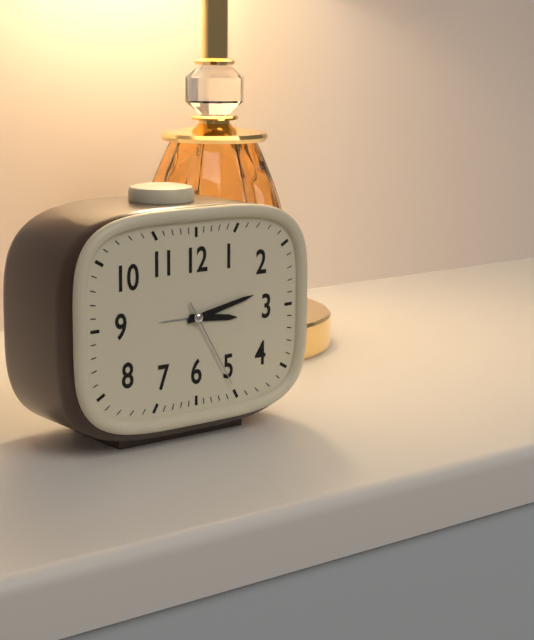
{"hour": 3, "minute": 13, "second": 25}
